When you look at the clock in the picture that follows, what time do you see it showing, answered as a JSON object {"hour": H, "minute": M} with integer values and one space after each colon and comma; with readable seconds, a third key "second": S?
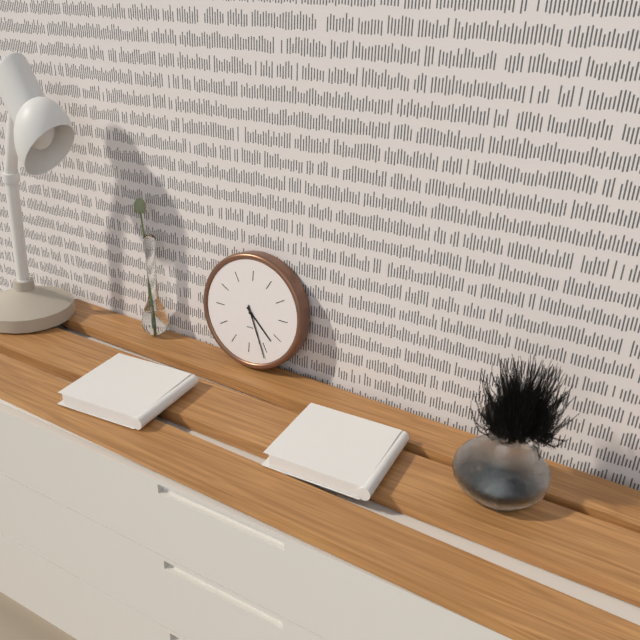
{"hour": 4, "minute": 26}
